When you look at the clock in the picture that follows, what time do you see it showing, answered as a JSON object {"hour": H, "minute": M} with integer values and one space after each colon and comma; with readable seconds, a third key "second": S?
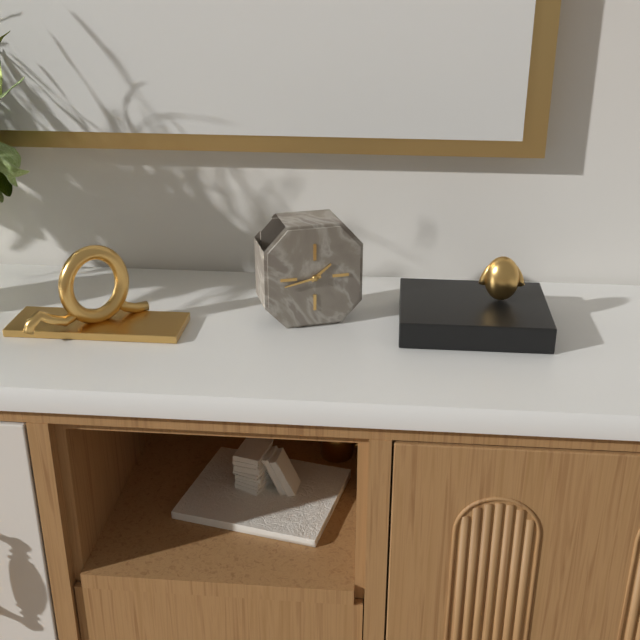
{"hour": 1, "minute": 43}
